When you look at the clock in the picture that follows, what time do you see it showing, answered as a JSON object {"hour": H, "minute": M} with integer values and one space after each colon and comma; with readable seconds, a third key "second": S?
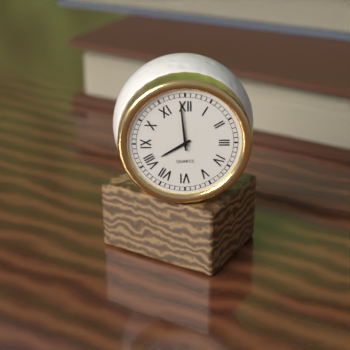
{"hour": 7, "minute": 59}
